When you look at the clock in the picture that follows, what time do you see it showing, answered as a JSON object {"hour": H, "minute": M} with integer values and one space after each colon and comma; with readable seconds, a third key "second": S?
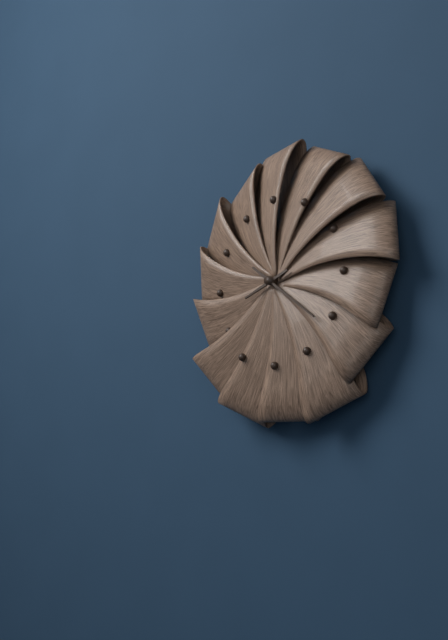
{"hour": 8, "minute": 21}
